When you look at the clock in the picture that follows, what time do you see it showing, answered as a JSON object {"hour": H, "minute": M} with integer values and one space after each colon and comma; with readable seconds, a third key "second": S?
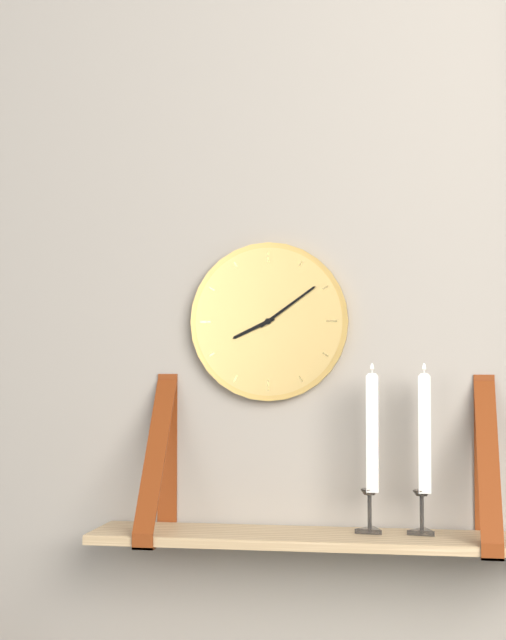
{"hour": 8, "minute": 9}
